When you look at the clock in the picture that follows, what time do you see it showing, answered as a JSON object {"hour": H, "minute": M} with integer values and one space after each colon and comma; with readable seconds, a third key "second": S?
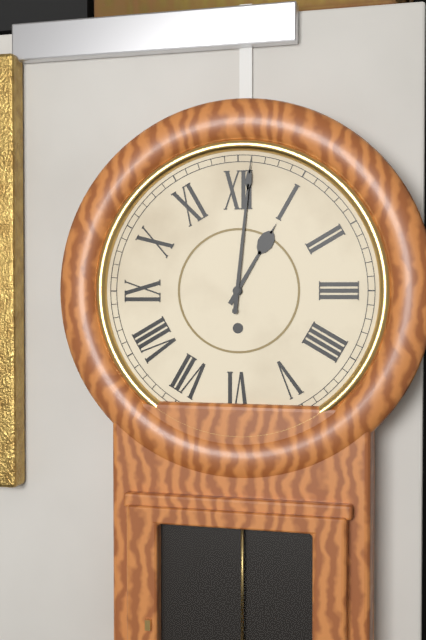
{"hour": 1, "minute": 1}
